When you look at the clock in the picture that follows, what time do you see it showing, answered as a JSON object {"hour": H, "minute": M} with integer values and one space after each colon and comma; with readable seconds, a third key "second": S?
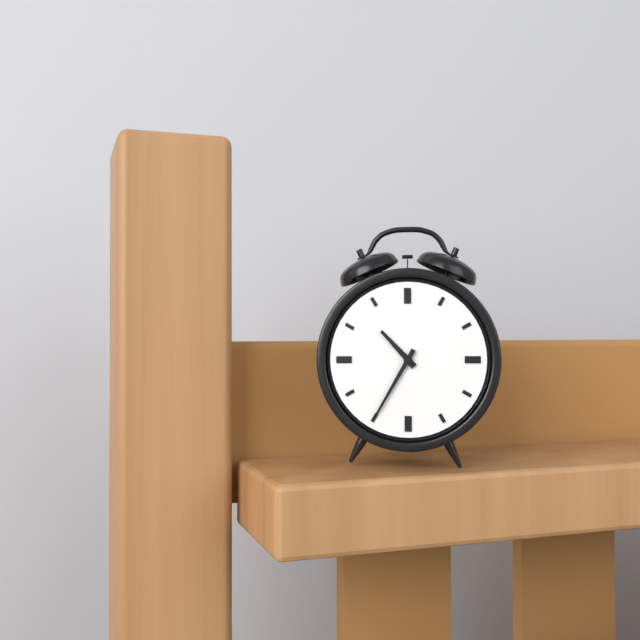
{"hour": 10, "minute": 35}
